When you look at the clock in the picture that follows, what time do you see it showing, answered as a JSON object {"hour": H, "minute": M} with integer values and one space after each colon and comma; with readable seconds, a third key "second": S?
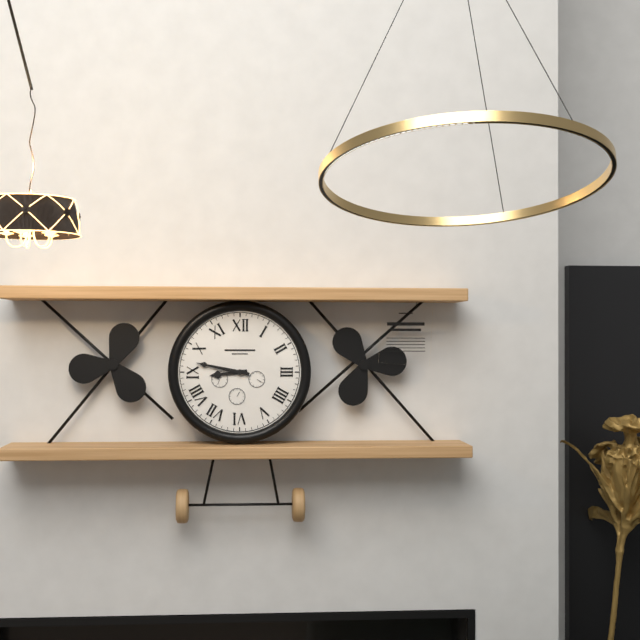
{"hour": 8, "minute": 47}
